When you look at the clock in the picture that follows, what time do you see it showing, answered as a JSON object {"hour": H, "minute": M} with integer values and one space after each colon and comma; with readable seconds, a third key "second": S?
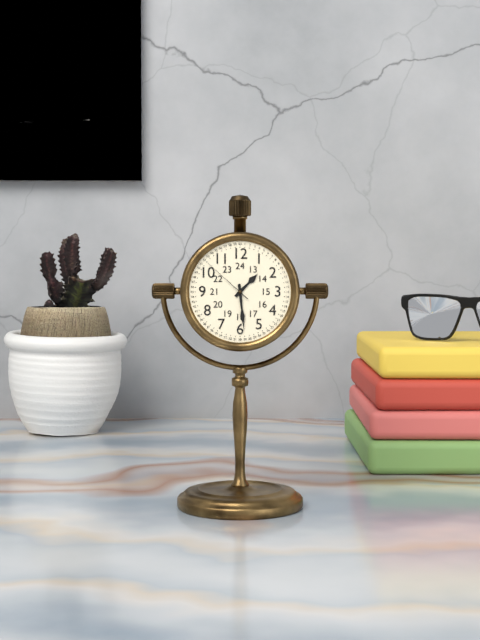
{"hour": 1, "minute": 29, "second": 52}
